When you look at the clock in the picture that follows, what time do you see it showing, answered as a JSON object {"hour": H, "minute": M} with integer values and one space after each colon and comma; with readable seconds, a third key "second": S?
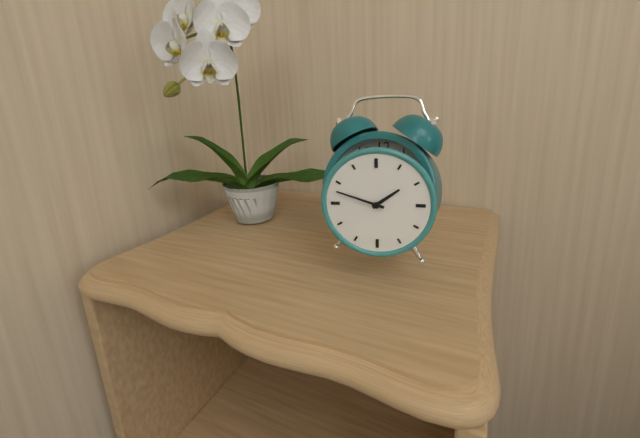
{"hour": 1, "minute": 48}
